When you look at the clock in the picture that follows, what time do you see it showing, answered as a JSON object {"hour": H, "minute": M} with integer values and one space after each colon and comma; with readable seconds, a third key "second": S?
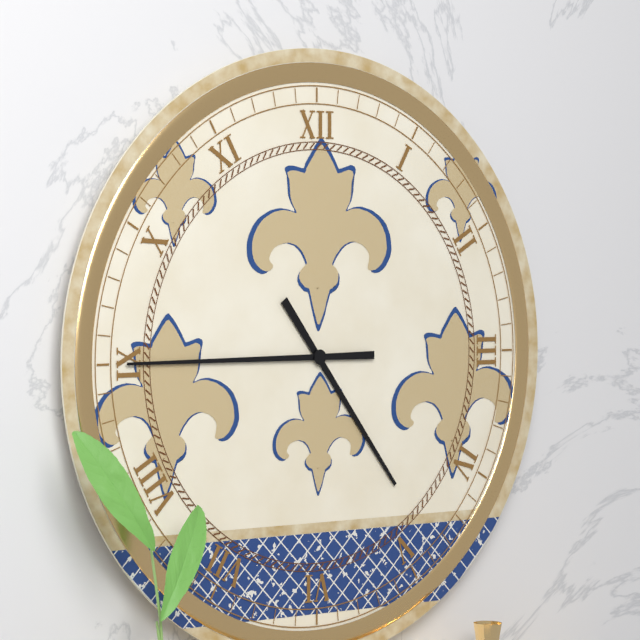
{"hour": 4, "minute": 45}
